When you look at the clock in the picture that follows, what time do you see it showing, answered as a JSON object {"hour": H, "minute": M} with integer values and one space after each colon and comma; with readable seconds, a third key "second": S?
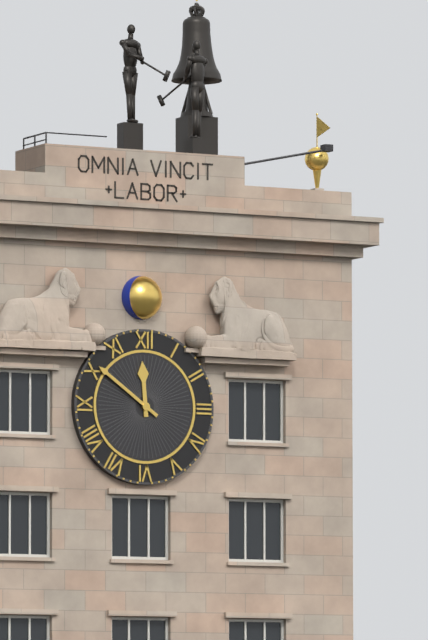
{"hour": 11, "minute": 51}
